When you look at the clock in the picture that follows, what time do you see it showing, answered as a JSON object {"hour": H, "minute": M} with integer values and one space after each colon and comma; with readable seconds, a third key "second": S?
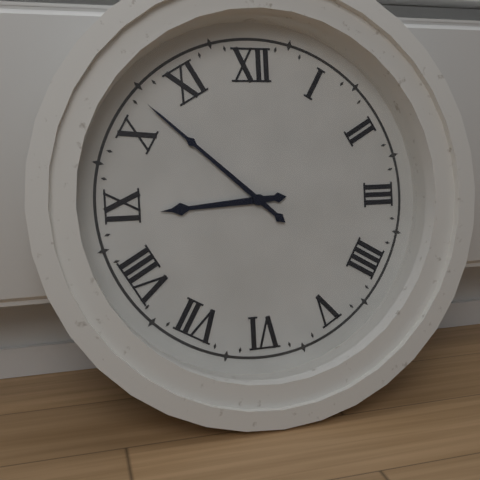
{"hour": 8, "minute": 52}
